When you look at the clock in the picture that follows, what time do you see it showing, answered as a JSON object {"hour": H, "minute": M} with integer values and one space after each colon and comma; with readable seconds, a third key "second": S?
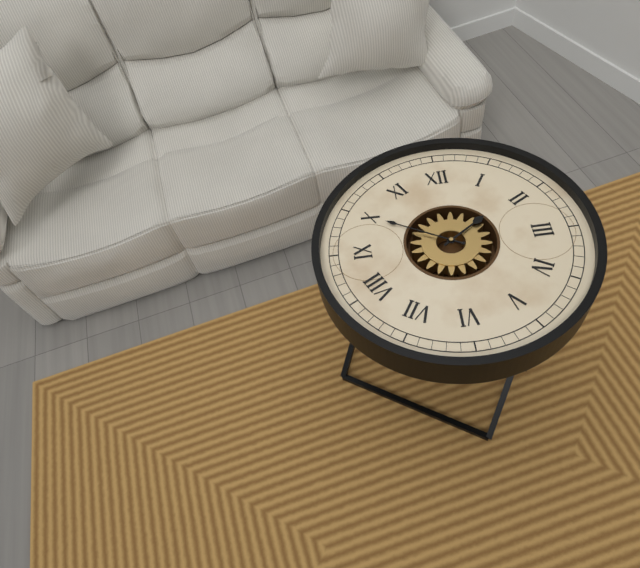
{"hour": 1, "minute": 50}
